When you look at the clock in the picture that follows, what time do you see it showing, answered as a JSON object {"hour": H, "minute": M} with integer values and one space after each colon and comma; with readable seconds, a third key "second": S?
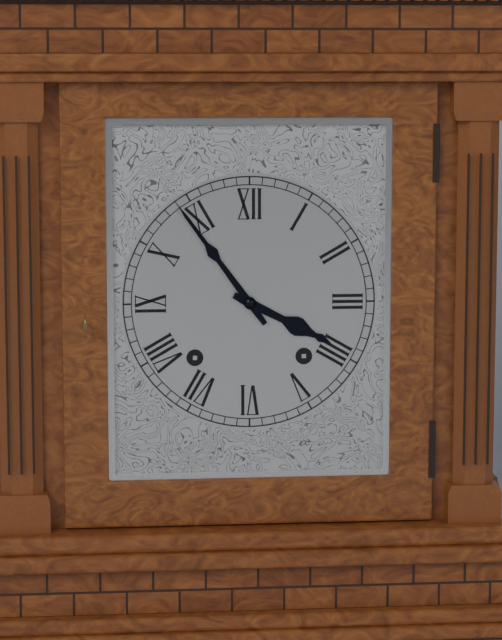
{"hour": 3, "minute": 54}
